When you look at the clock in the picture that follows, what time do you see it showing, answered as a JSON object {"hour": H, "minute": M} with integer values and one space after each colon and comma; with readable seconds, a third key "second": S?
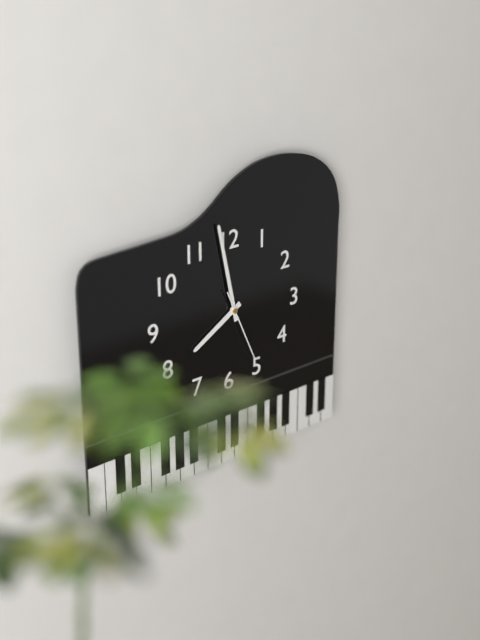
{"hour": 7, "minute": 58, "second": 26}
